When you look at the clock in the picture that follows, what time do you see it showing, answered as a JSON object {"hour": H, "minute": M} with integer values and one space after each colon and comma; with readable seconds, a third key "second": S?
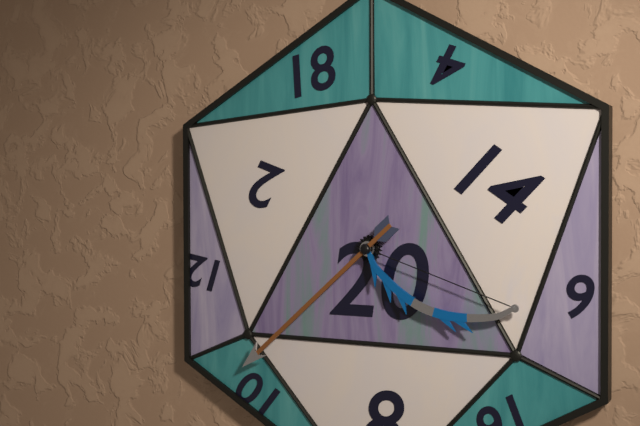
{"hour": 3, "minute": 38}
